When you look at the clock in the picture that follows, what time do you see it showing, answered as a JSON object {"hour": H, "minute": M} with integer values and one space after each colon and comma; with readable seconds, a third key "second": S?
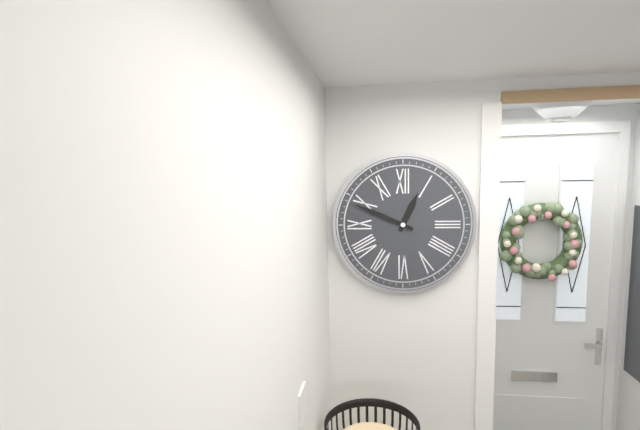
{"hour": 12, "minute": 49}
